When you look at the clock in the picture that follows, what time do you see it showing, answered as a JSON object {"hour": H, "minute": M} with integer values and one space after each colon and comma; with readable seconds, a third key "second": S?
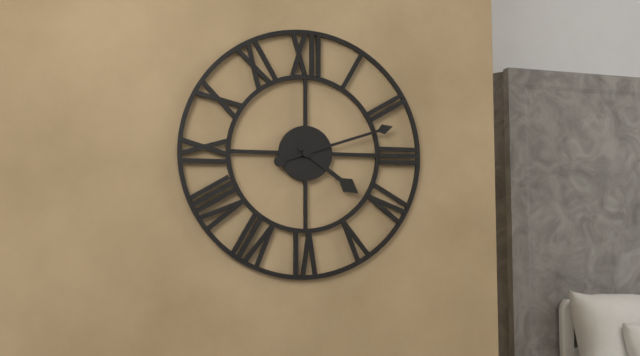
{"hour": 4, "minute": 12}
